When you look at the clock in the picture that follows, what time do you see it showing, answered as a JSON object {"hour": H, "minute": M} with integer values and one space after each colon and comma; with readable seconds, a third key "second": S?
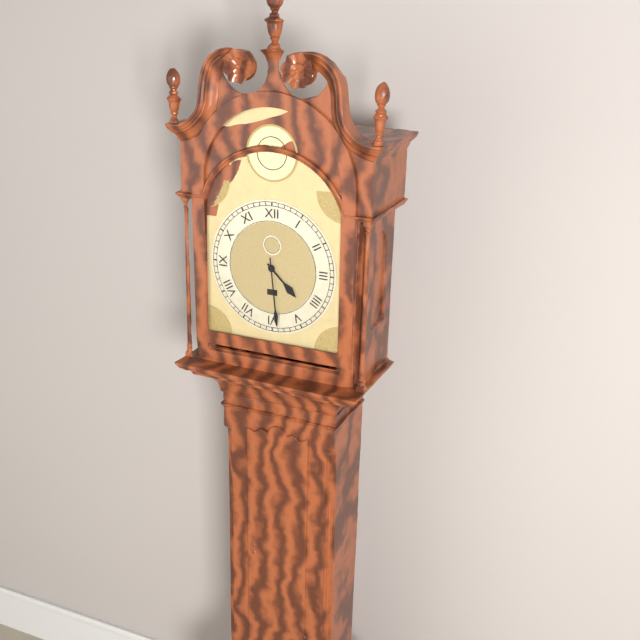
{"hour": 4, "minute": 29}
